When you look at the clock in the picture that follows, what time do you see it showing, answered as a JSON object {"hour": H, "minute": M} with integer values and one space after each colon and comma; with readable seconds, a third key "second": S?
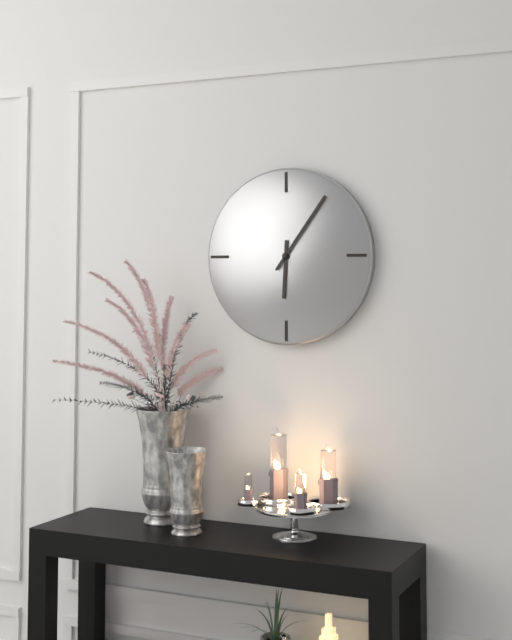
{"hour": 6, "minute": 6}
